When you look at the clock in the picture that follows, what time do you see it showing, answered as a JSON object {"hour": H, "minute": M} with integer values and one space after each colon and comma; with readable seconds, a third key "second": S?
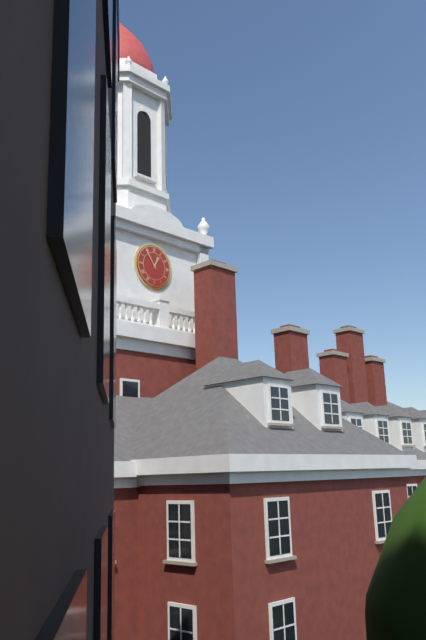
{"hour": 12, "minute": 54}
